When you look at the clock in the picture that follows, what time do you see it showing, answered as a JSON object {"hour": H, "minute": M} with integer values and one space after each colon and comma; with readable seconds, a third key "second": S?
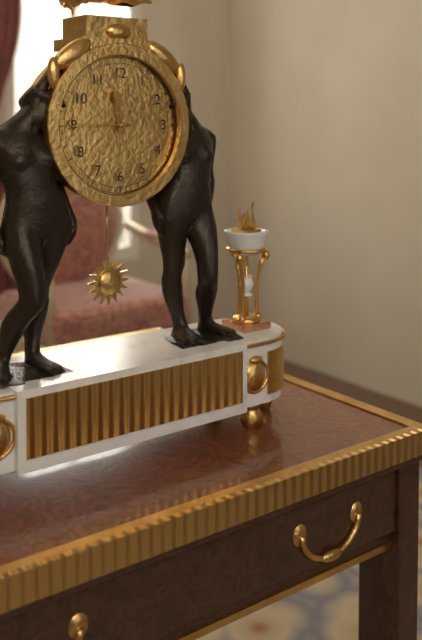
{"hour": 11, "minute": 45}
